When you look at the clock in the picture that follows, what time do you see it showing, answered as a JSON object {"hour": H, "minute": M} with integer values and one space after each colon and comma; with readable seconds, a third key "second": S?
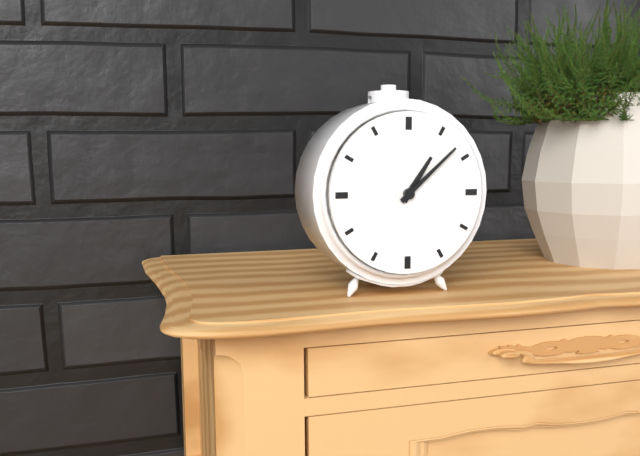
{"hour": 1, "minute": 8}
